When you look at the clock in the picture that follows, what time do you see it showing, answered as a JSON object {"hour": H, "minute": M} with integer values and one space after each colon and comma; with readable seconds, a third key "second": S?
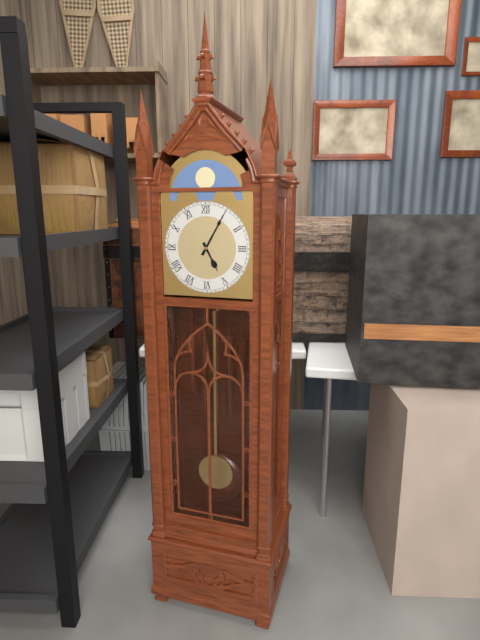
{"hour": 5, "minute": 5}
